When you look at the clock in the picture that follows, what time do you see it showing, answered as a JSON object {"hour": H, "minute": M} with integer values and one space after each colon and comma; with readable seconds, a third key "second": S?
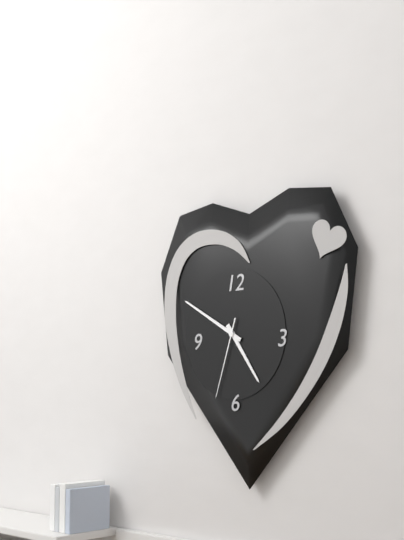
{"hour": 4, "minute": 50, "second": 33}
